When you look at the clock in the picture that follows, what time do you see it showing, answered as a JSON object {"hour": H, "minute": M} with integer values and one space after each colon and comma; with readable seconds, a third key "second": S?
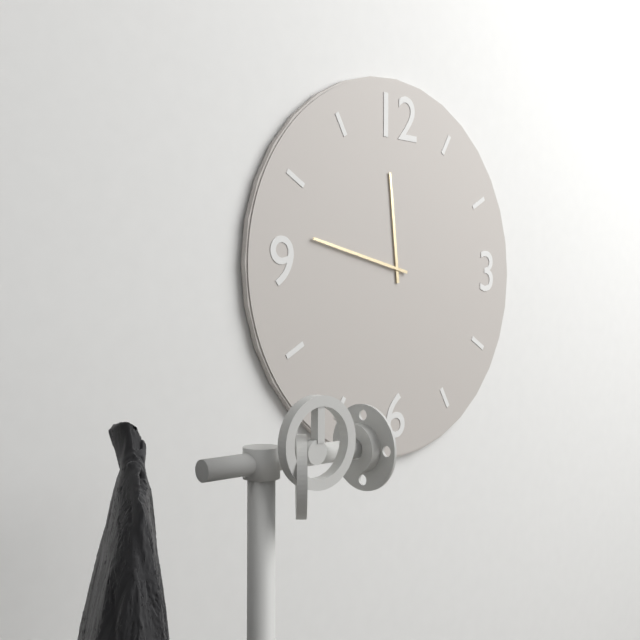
{"hour": 11, "minute": 47}
